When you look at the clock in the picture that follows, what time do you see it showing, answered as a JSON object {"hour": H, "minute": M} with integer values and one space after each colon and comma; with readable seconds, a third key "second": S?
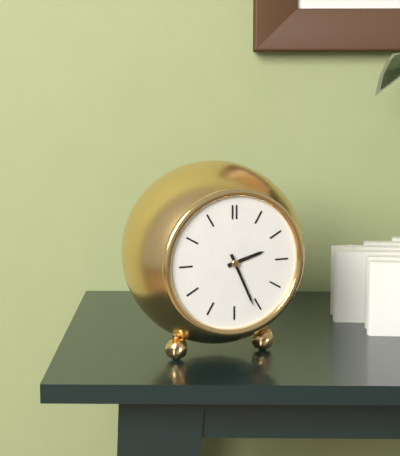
{"hour": 2, "minute": 26}
